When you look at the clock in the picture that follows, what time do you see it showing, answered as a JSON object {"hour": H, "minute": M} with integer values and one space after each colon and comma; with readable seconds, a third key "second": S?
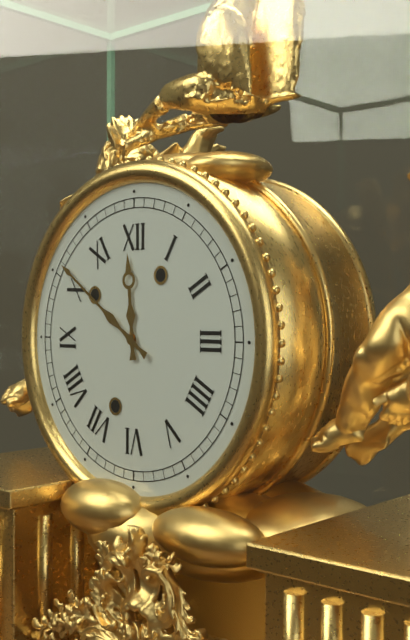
{"hour": 11, "minute": 51}
